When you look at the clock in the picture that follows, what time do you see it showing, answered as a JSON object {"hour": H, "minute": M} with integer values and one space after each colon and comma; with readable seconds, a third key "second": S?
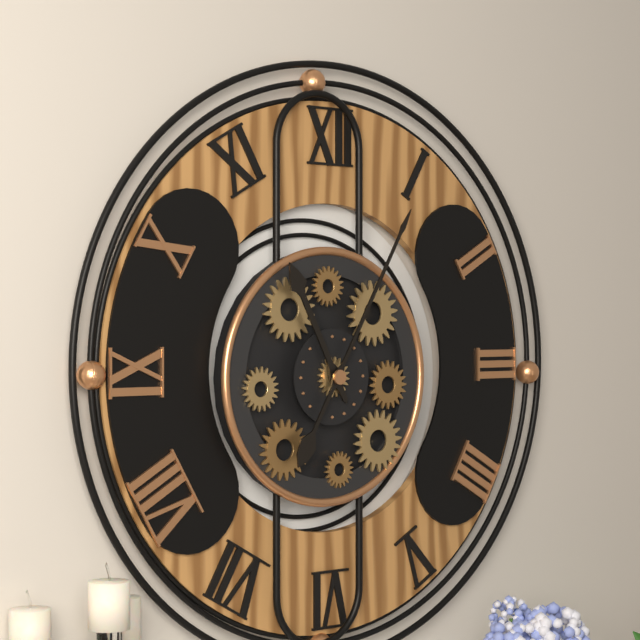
{"hour": 11, "minute": 5}
